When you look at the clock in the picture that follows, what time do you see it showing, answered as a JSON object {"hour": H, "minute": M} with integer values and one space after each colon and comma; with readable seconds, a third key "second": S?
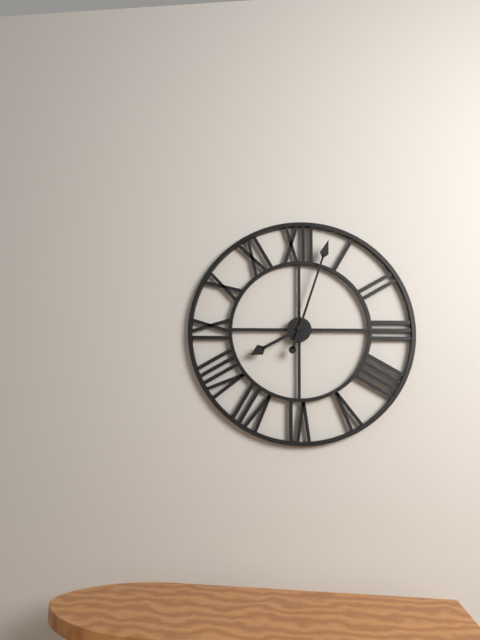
{"hour": 8, "minute": 3}
